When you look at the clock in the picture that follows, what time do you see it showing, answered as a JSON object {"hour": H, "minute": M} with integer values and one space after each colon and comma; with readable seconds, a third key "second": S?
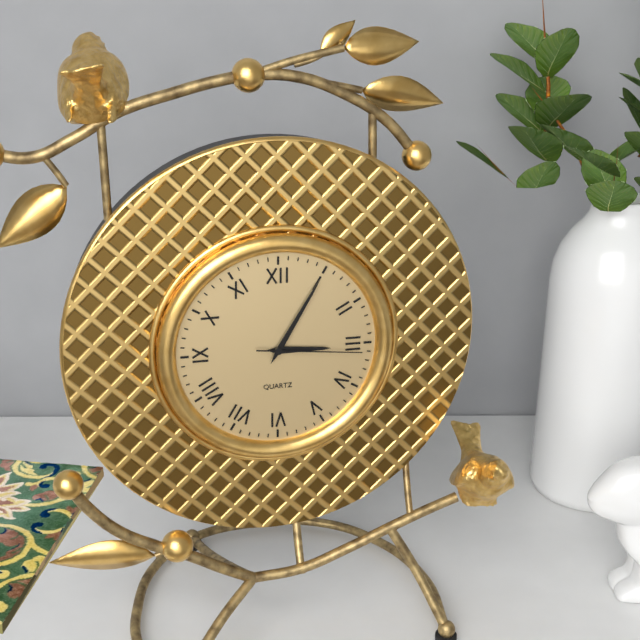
{"hour": 3, "minute": 5, "second": 16}
